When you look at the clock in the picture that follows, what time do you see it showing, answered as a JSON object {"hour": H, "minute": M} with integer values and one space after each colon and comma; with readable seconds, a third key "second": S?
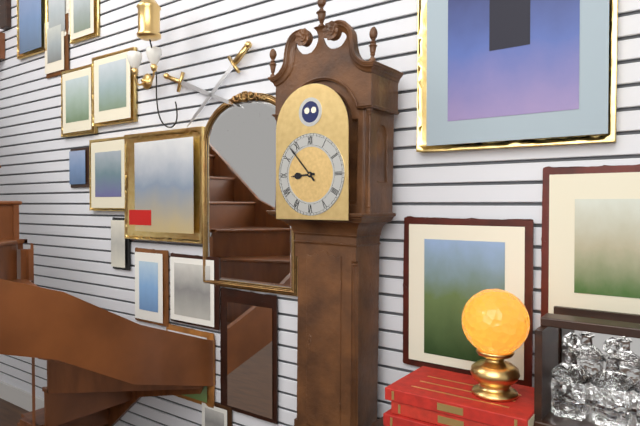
{"hour": 8, "minute": 53}
